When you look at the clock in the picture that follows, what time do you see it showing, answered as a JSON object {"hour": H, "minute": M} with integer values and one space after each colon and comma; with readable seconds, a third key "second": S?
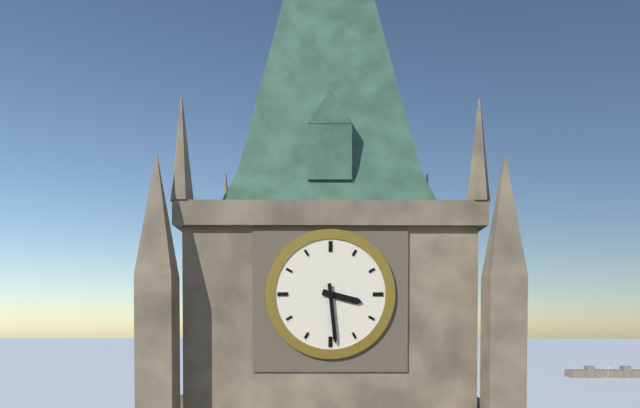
{"hour": 3, "minute": 29}
